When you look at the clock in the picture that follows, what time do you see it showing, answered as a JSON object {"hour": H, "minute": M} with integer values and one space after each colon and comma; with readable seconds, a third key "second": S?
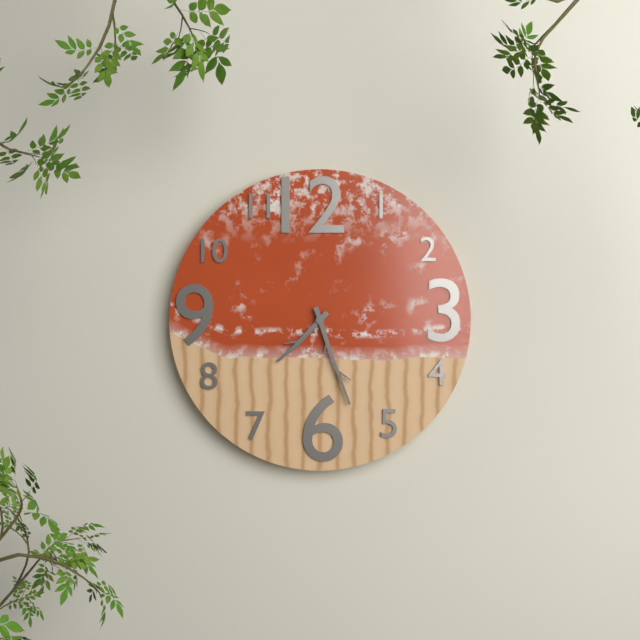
{"hour": 7, "minute": 27}
